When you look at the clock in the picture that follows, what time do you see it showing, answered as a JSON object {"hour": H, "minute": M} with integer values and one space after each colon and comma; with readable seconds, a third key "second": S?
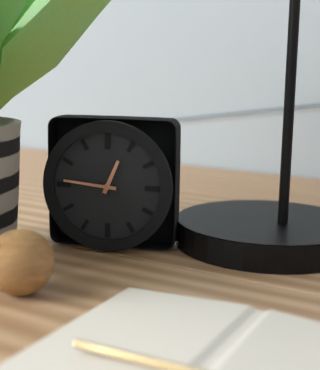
{"hour": 12, "minute": 46}
